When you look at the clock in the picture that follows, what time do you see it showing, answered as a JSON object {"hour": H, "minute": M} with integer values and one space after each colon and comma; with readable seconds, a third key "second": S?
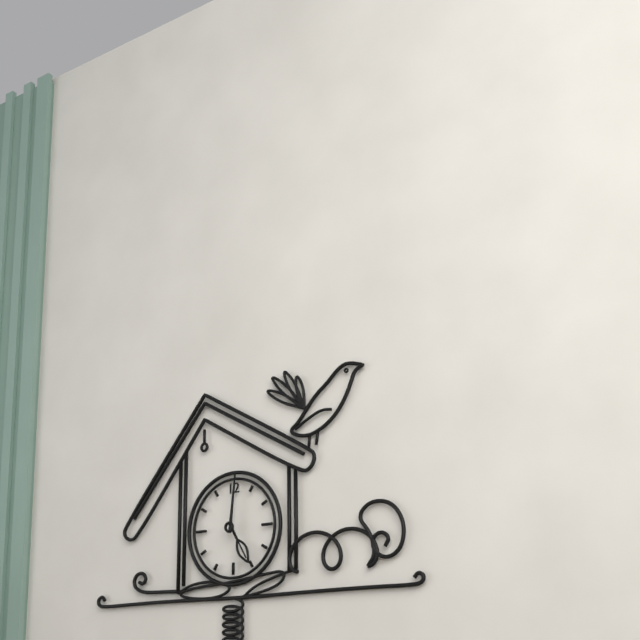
{"hour": 5, "minute": 1}
